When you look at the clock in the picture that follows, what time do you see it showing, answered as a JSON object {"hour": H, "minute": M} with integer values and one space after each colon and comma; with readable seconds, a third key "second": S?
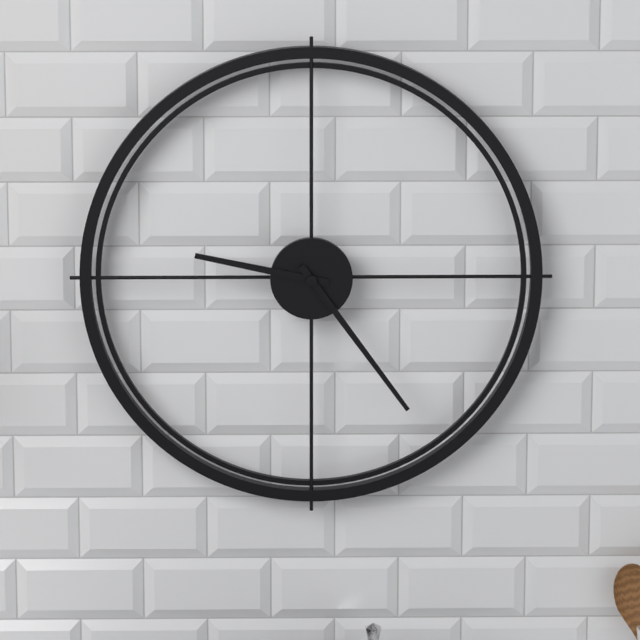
{"hour": 9, "minute": 24}
